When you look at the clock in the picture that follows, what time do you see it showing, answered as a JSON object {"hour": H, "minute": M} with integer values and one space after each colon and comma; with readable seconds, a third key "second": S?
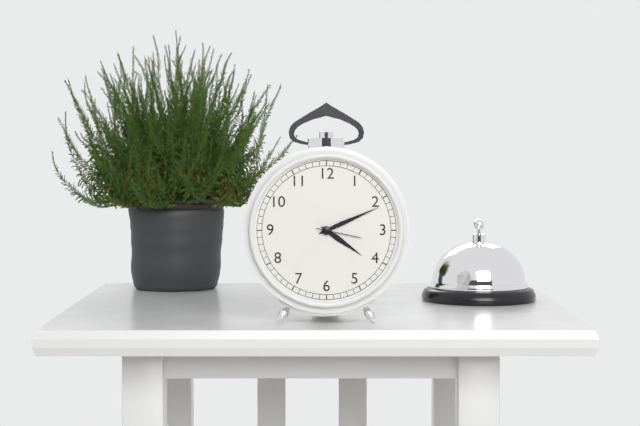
{"hour": 4, "minute": 11}
